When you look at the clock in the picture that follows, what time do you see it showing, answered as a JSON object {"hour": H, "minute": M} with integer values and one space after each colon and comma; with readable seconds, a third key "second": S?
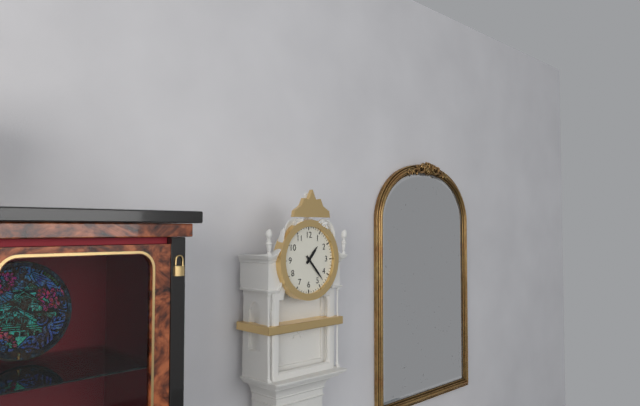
{"hour": 1, "minute": 23}
